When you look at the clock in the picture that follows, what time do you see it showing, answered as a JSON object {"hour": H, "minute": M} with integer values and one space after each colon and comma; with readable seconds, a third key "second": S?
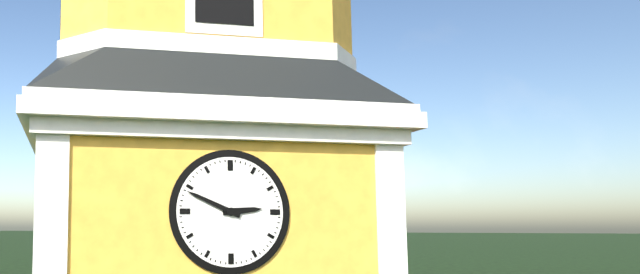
{"hour": 2, "minute": 49}
